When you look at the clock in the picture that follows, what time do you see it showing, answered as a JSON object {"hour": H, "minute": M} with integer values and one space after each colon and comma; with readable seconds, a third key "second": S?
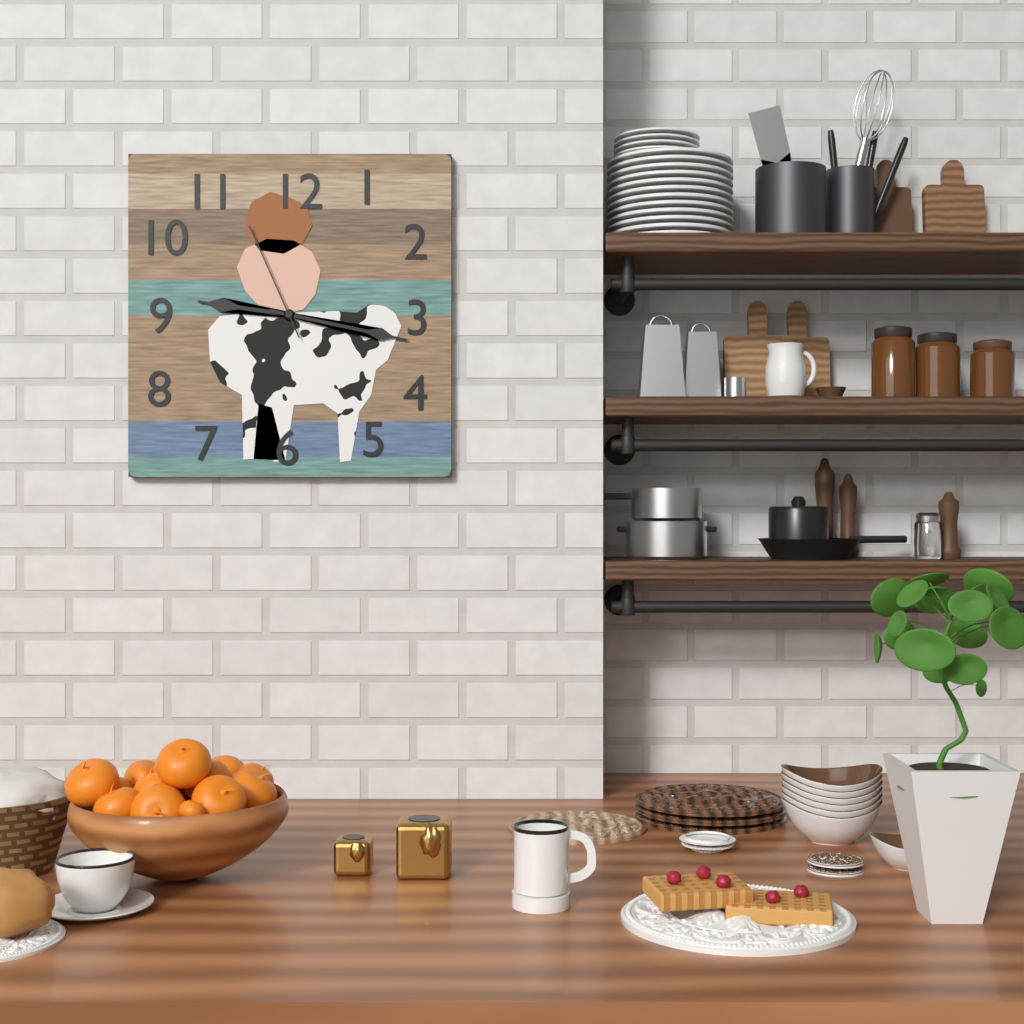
{"hour": 9, "minute": 17, "second": 56}
